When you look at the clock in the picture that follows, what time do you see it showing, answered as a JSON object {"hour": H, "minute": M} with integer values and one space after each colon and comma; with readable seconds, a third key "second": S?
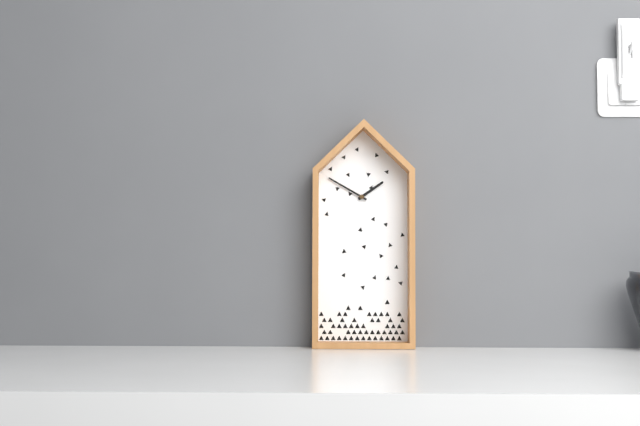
{"hour": 1, "minute": 50}
